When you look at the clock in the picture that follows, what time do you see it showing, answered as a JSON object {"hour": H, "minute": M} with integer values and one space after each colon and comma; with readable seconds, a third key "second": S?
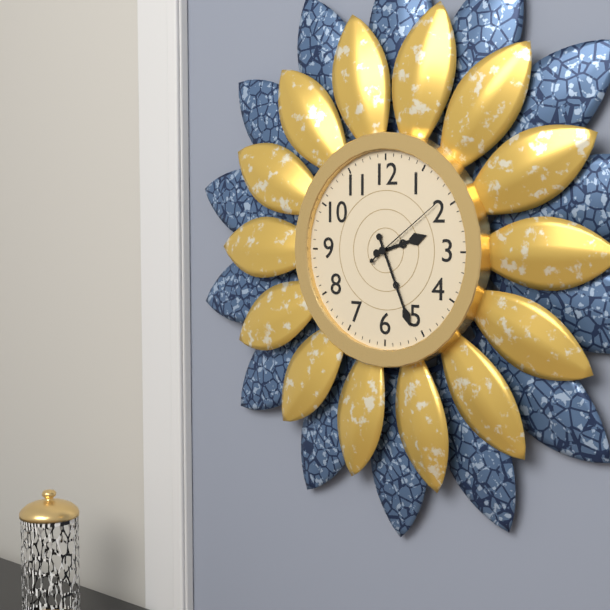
{"hour": 2, "minute": 26, "second": 9}
